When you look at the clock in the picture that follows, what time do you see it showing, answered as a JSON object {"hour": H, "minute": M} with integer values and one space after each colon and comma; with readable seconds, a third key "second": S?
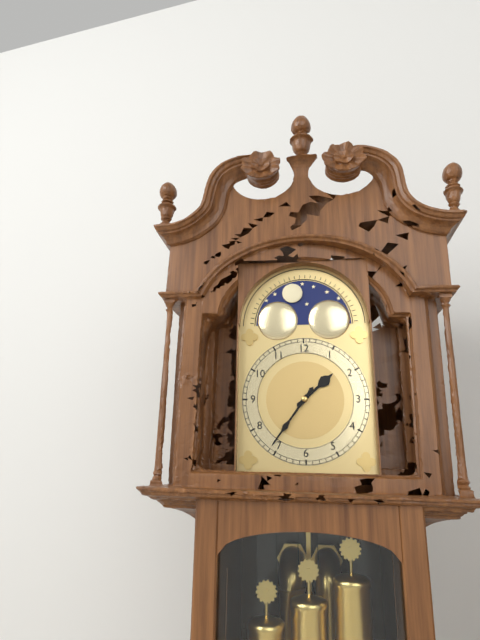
{"hour": 1, "minute": 36}
